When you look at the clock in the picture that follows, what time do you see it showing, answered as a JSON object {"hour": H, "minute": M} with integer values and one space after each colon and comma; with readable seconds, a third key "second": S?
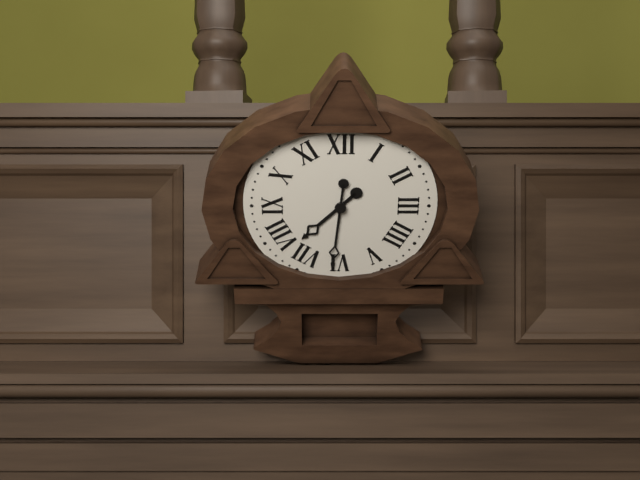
{"hour": 7, "minute": 31}
